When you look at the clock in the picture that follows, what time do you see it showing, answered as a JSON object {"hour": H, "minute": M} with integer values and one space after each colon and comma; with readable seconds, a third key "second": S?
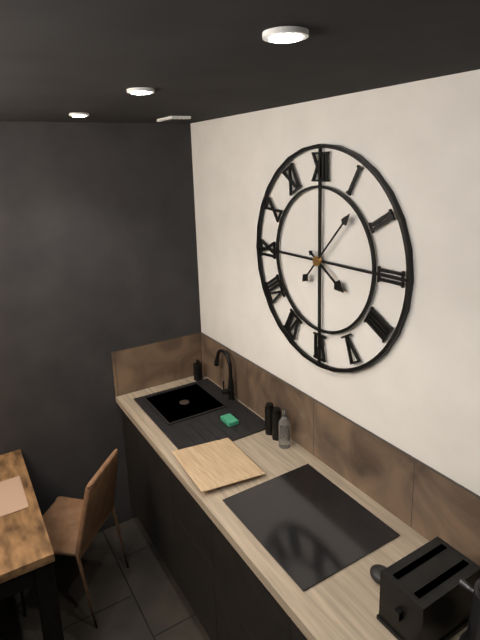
{"hour": 4, "minute": 7}
